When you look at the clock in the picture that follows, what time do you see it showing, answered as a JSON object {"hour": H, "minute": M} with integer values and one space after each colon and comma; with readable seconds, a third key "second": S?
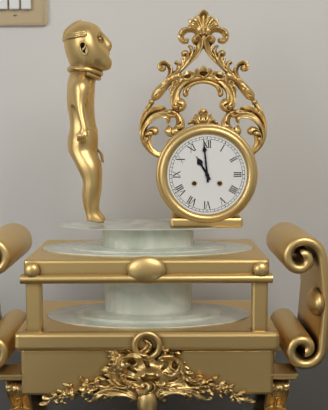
{"hour": 10, "minute": 59}
